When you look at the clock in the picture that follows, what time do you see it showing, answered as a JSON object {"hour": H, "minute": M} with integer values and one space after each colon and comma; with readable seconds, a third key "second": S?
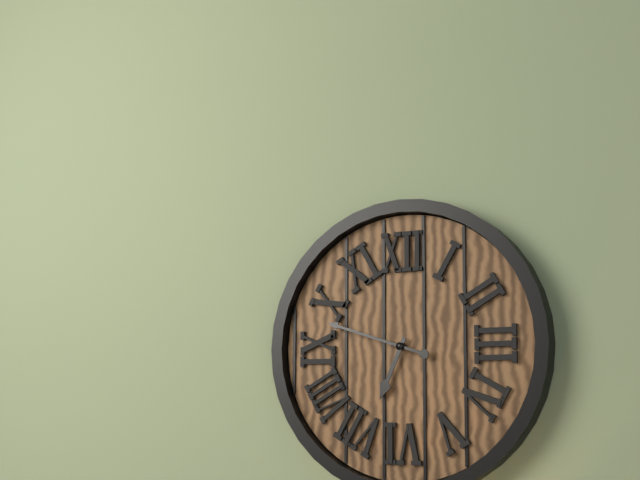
{"hour": 6, "minute": 48}
